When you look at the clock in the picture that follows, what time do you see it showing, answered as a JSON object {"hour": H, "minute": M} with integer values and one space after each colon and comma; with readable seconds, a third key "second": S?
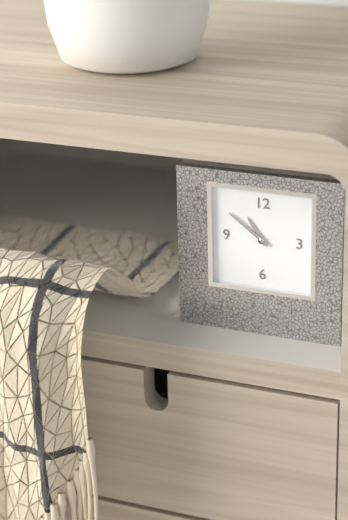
{"hour": 10, "minute": 51}
